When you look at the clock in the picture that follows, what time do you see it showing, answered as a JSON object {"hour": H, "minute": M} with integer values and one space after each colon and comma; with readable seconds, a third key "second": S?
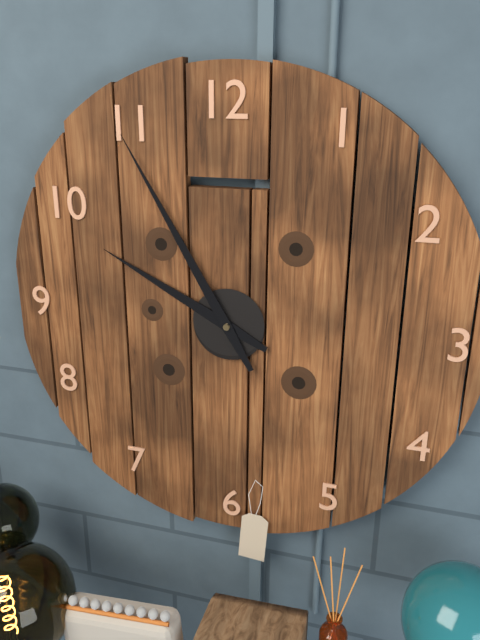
{"hour": 9, "minute": 55}
